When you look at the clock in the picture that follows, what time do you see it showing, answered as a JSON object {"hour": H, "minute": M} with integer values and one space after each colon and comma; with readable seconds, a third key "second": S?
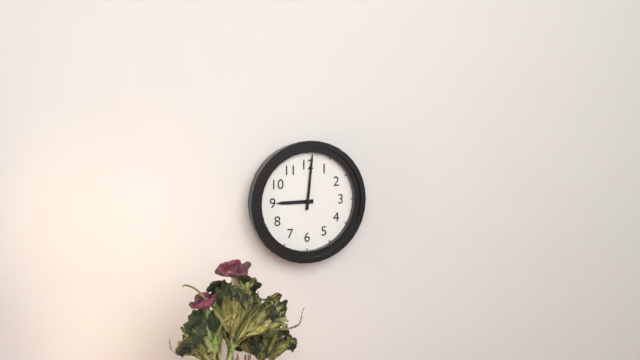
{"hour": 9, "minute": 1}
